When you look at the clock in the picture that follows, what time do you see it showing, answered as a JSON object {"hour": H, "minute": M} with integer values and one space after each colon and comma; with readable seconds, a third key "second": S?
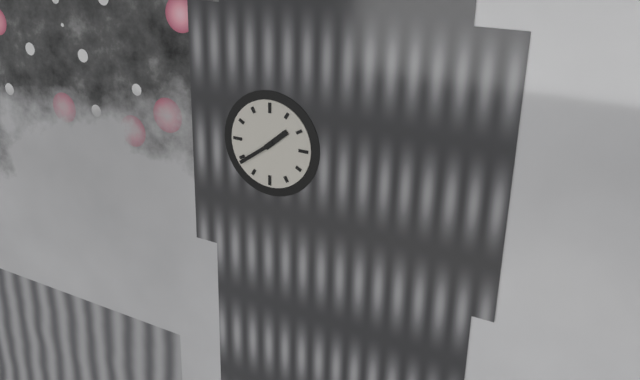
{"hour": 1, "minute": 39}
